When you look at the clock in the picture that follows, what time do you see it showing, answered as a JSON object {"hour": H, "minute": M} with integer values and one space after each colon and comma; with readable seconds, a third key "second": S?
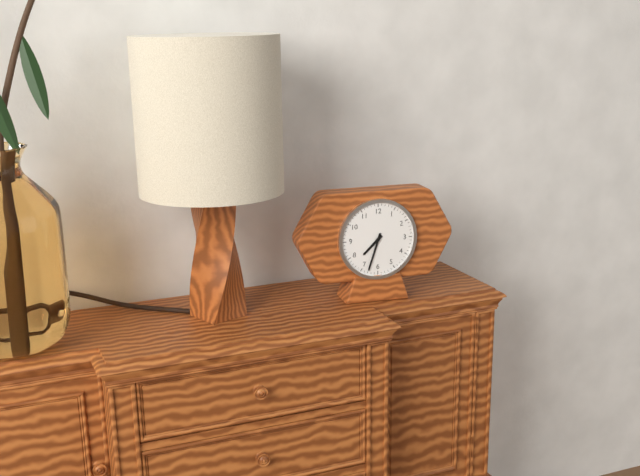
{"hour": 7, "minute": 33}
